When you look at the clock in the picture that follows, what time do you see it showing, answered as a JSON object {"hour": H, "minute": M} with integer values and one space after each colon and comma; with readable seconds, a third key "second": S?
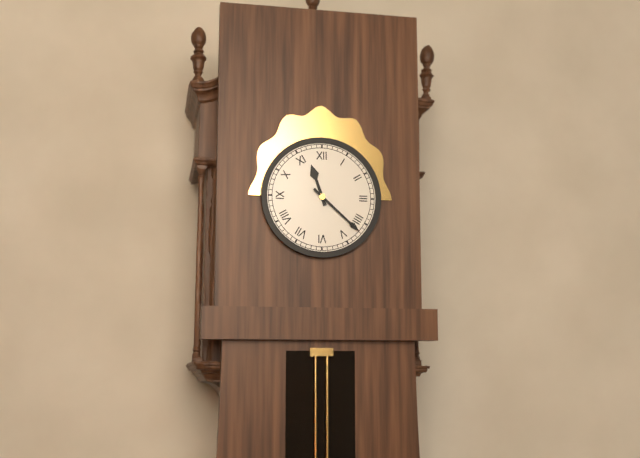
{"hour": 11, "minute": 22}
